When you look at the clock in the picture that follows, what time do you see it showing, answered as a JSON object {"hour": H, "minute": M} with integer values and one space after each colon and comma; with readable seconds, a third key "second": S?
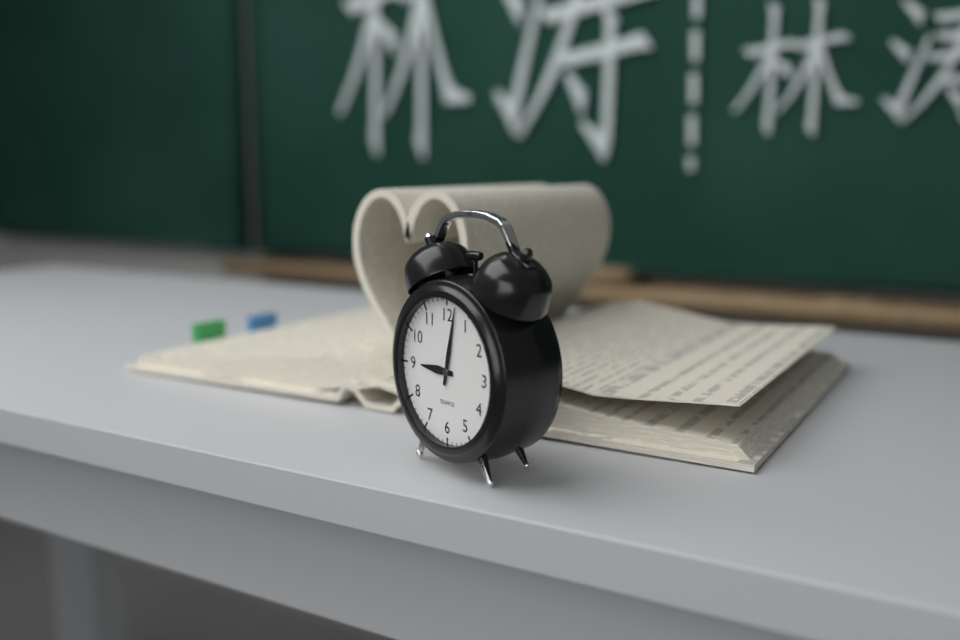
{"hour": 9, "minute": 2}
